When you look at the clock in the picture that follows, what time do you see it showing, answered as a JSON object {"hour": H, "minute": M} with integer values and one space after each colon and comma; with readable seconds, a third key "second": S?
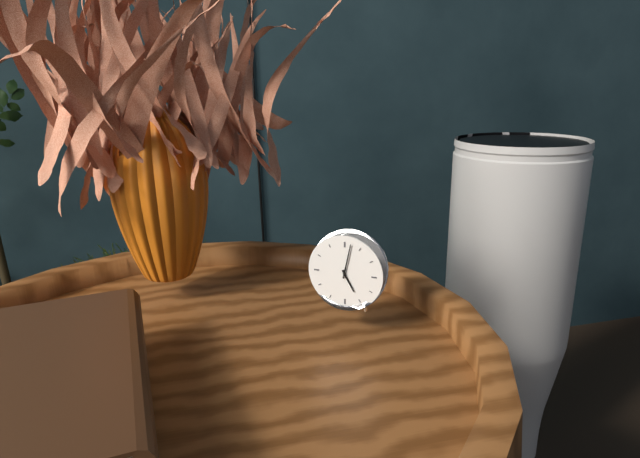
{"hour": 5, "minute": 2}
